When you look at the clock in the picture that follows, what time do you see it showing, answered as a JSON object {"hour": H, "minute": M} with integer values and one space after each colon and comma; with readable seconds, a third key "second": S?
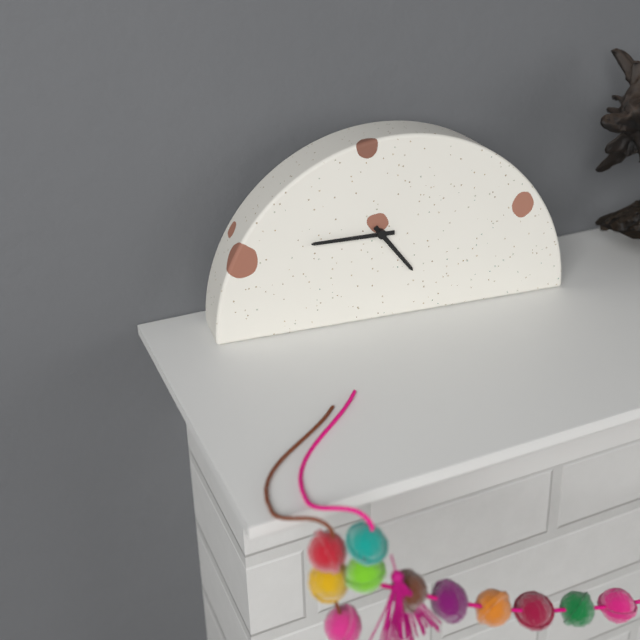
{"hour": 4, "minute": 45}
